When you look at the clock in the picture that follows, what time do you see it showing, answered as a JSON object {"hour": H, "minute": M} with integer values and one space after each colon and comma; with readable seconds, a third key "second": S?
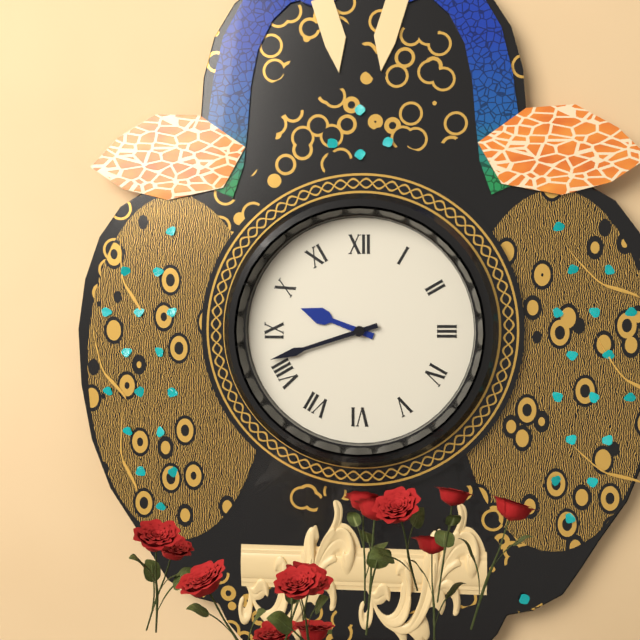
{"hour": 9, "minute": 42}
